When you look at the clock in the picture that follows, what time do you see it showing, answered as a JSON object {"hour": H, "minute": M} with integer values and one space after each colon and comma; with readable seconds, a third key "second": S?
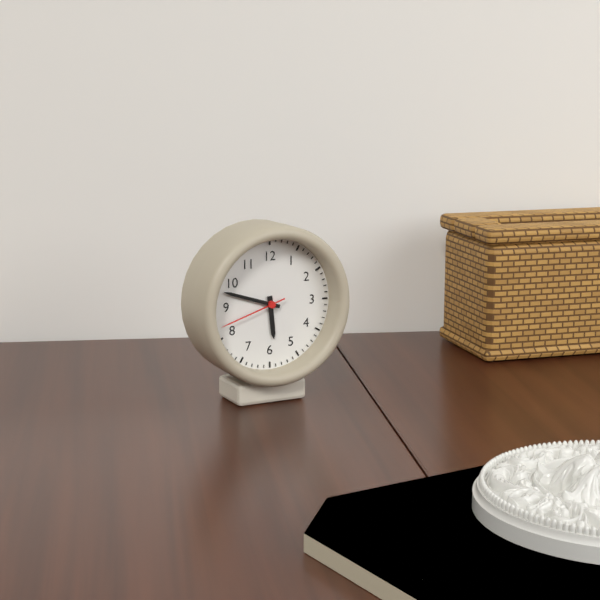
{"hour": 5, "minute": 48, "second": 42}
